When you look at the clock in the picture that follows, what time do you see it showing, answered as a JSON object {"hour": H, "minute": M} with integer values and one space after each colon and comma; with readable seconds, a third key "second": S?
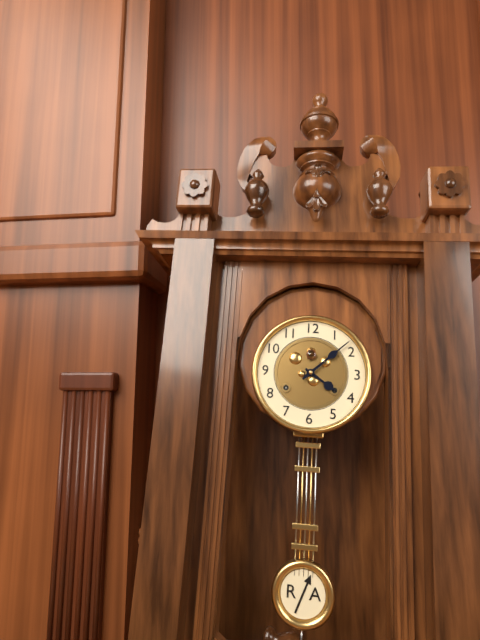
{"hour": 4, "minute": 8}
